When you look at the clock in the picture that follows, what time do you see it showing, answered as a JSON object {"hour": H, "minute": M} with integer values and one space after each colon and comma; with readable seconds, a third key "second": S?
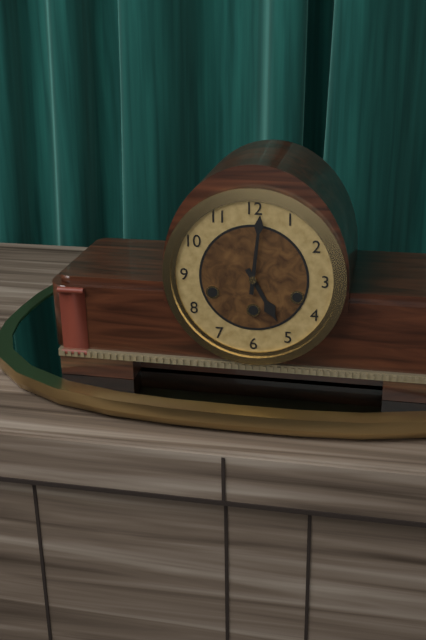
{"hour": 5, "minute": 1}
